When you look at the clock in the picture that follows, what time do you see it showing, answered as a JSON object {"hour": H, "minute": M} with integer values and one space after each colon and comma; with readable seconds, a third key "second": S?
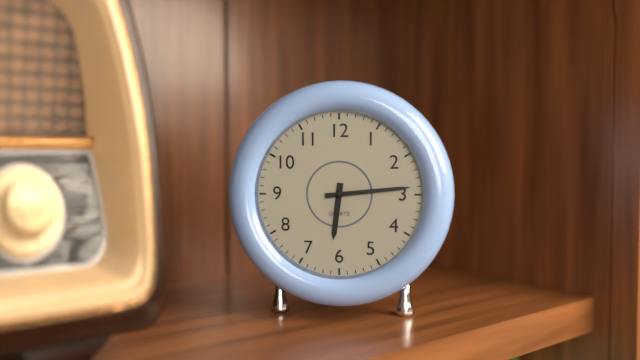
{"hour": 6, "minute": 14}
